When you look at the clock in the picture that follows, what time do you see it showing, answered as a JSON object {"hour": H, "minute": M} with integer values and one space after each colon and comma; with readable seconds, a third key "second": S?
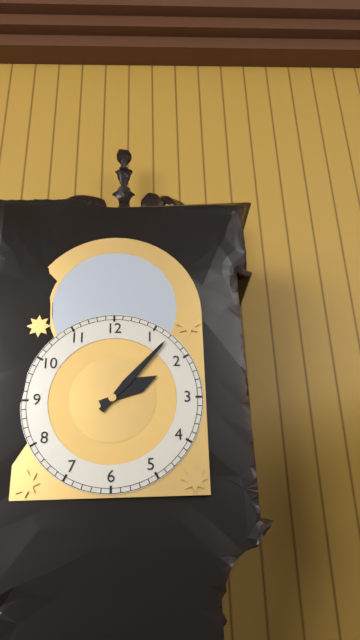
{"hour": 2, "minute": 7}
